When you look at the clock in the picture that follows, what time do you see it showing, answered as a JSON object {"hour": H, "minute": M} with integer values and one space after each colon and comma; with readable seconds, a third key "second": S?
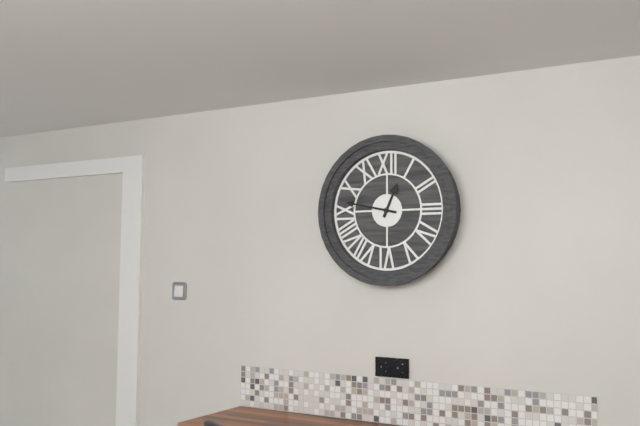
{"hour": 12, "minute": 47}
